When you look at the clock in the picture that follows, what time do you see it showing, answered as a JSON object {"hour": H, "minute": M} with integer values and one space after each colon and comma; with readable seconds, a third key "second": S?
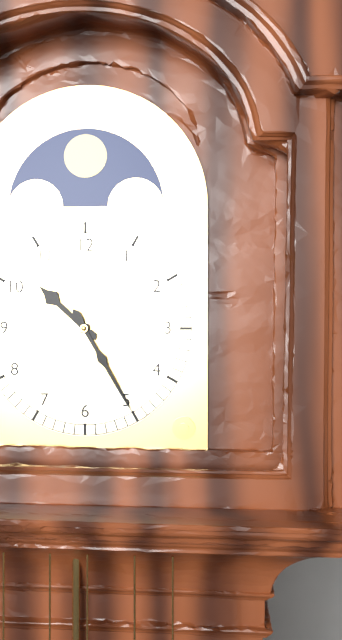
{"hour": 10, "minute": 25}
